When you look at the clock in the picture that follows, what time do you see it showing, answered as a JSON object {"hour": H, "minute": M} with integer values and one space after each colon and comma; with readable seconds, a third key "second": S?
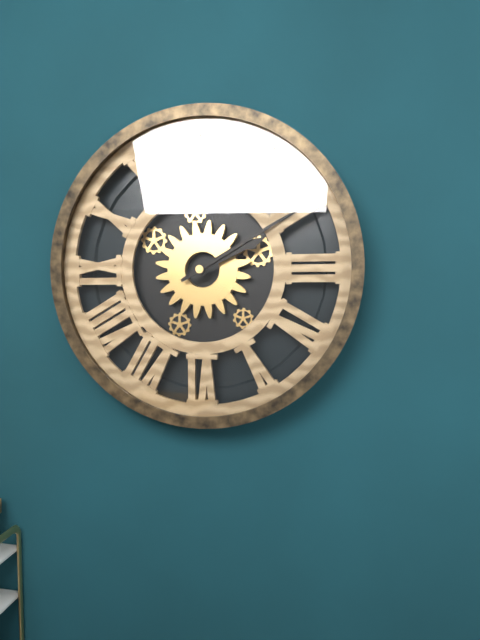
{"hour": 2, "minute": 10}
